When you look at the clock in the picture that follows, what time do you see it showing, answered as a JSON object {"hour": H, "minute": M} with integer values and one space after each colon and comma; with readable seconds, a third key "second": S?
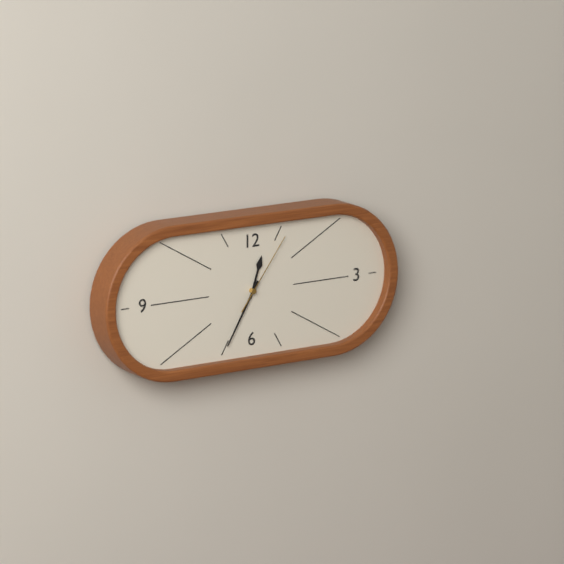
{"hour": 12, "minute": 35, "second": 6}
